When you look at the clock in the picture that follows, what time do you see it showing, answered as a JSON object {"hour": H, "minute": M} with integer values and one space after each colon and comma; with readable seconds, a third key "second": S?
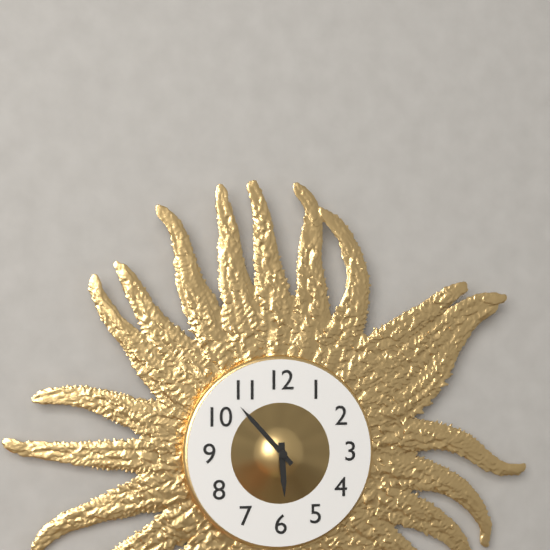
{"hour": 5, "minute": 53}
